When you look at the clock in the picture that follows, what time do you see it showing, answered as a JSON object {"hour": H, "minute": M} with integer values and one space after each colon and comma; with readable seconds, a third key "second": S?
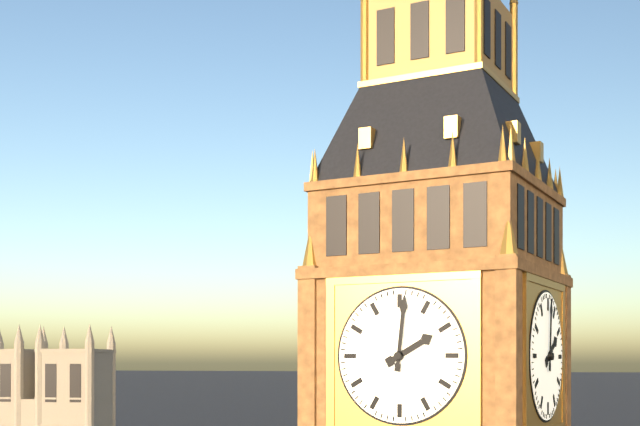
{"hour": 2, "minute": 1}
